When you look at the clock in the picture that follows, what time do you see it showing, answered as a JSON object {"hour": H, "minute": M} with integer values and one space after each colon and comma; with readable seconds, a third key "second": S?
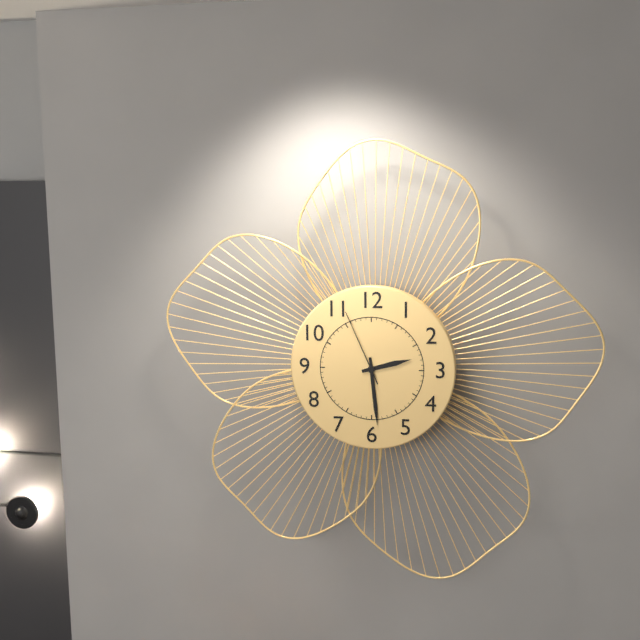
{"hour": 2, "minute": 29, "second": 56}
